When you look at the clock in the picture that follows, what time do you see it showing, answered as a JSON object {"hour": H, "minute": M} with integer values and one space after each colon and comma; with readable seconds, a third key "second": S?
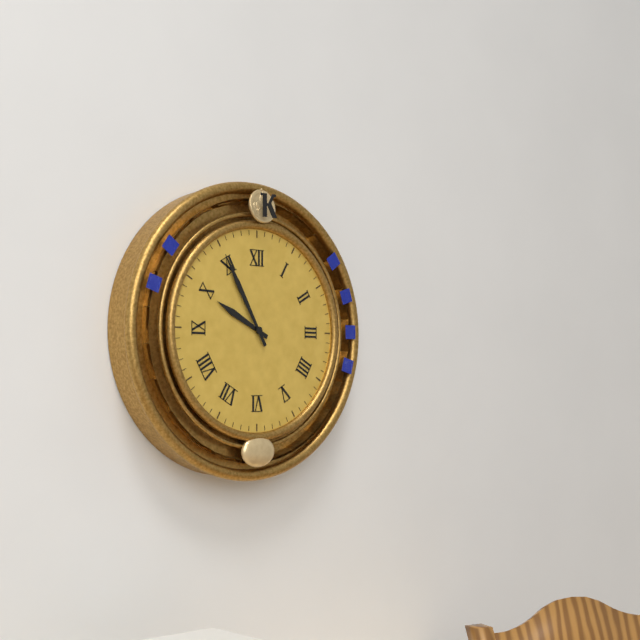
{"hour": 9, "minute": 55}
